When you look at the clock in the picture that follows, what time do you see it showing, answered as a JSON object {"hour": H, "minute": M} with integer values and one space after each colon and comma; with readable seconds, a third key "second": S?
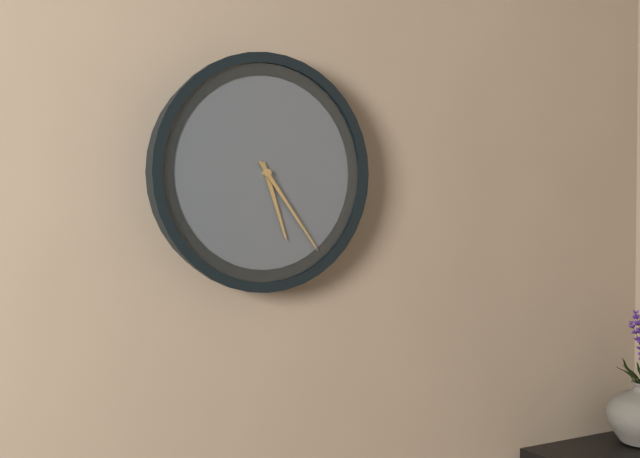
{"hour": 5, "minute": 24}
